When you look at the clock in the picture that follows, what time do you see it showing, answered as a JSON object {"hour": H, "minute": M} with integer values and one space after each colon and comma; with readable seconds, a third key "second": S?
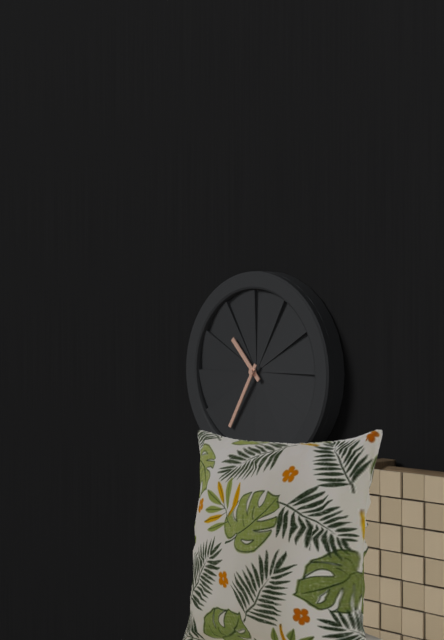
{"hour": 10, "minute": 35}
